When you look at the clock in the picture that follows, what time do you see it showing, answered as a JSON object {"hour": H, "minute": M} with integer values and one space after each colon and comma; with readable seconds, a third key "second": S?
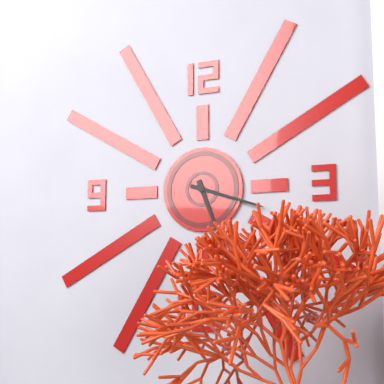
{"hour": 5, "minute": 18}
